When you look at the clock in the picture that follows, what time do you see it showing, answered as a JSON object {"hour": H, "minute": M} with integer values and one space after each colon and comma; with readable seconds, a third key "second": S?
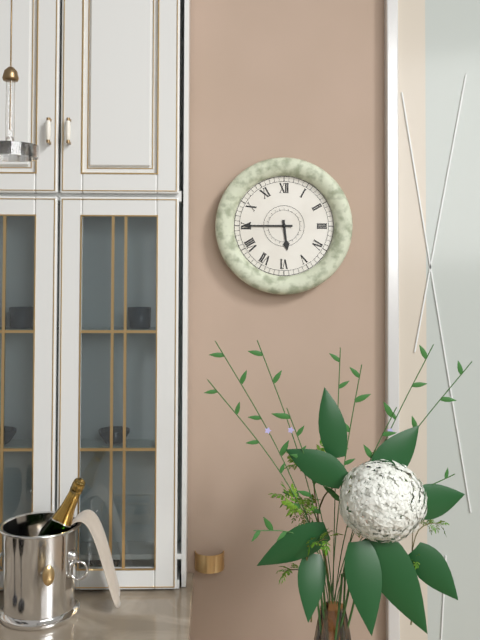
{"hour": 5, "minute": 45}
